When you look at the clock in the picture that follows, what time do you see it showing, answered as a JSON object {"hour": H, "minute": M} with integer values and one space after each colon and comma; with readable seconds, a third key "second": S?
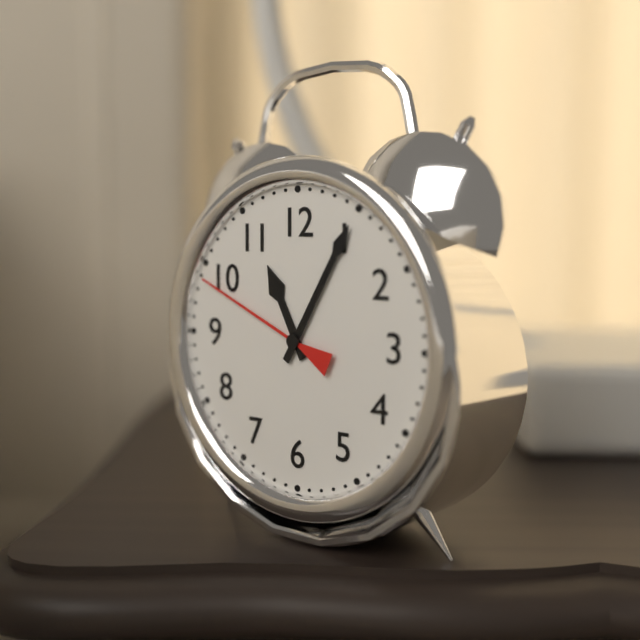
{"hour": 11, "minute": 5, "second": 49}
